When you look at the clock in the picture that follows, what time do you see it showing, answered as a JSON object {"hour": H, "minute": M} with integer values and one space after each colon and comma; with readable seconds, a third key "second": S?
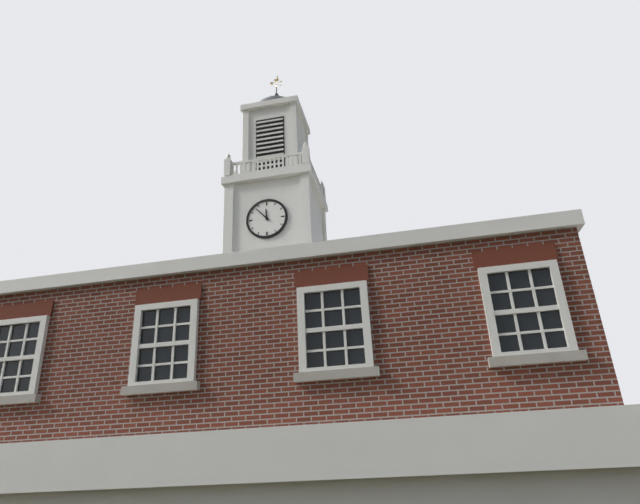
{"hour": 11, "minute": 53}
